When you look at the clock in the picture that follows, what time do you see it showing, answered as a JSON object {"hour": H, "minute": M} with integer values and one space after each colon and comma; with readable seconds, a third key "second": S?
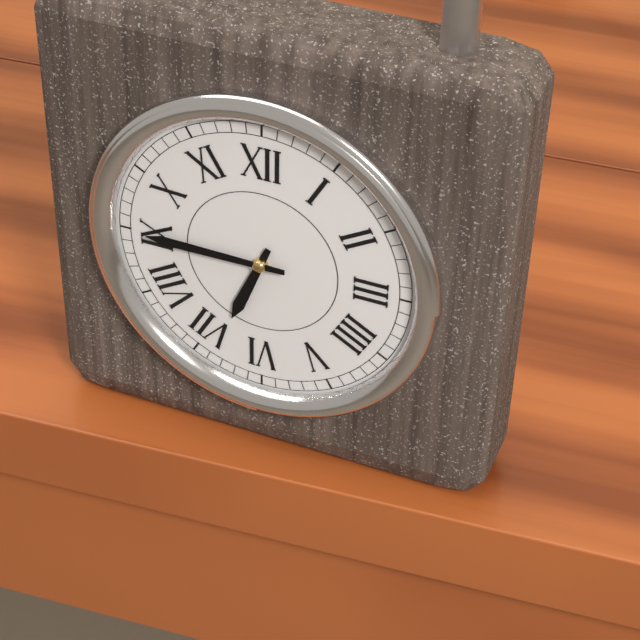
{"hour": 6, "minute": 45}
